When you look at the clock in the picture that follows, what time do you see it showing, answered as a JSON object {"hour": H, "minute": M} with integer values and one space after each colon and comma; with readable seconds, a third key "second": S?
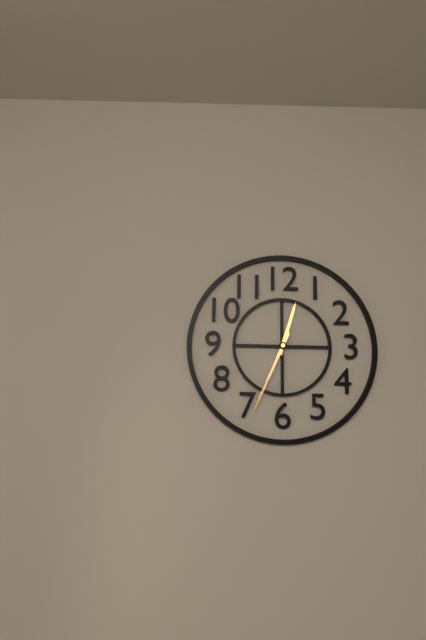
{"hour": 12, "minute": 34}
